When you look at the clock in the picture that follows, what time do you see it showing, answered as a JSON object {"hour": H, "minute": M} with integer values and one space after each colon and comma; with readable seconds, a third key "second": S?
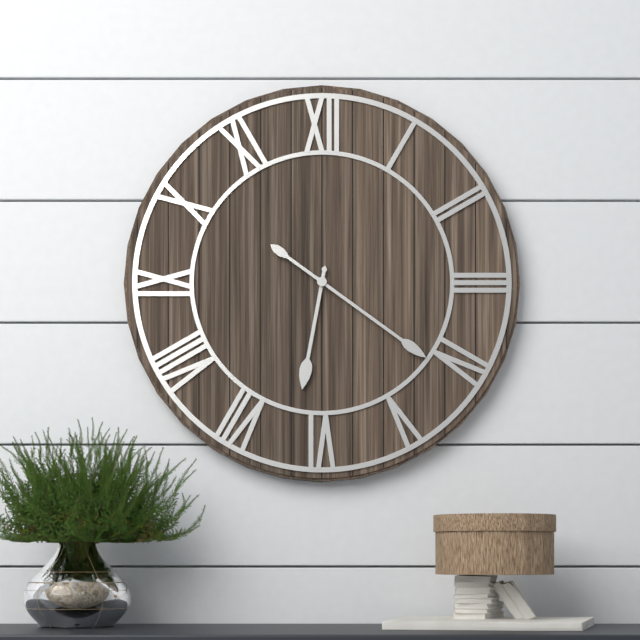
{"hour": 6, "minute": 21}
